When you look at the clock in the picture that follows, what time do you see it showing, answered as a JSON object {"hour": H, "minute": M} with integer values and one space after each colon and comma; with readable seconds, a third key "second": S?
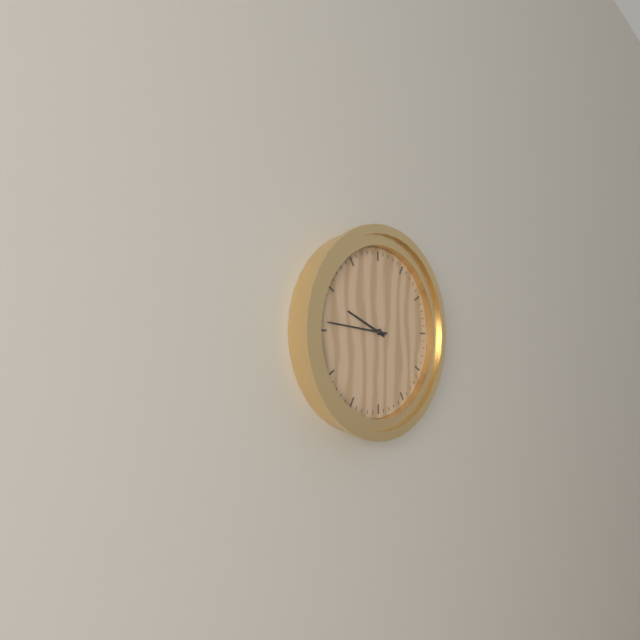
{"hour": 9, "minute": 46}
